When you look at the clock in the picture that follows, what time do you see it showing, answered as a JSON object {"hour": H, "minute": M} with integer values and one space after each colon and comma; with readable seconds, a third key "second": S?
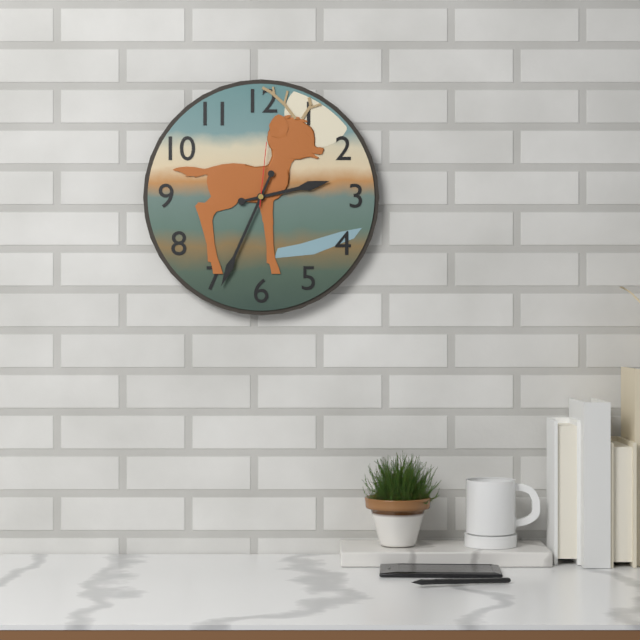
{"hour": 2, "minute": 34, "second": 1}
